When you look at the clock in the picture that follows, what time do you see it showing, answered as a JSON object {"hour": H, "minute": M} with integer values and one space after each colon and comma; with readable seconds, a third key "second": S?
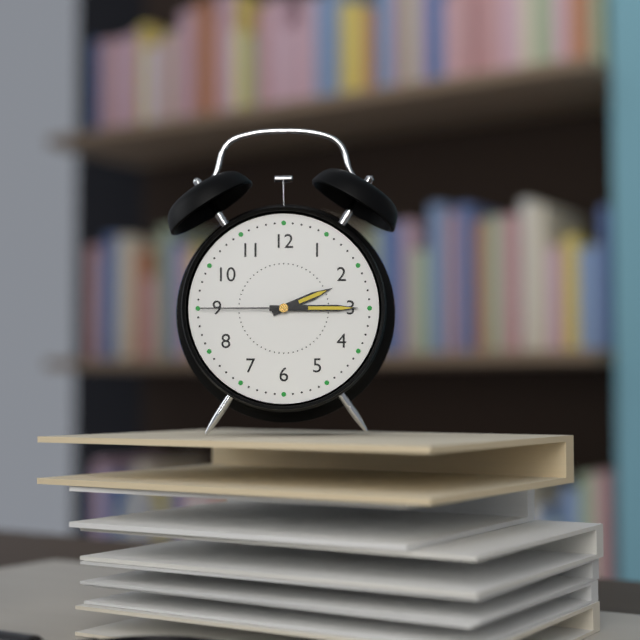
{"hour": 2, "minute": 15, "second": 45}
